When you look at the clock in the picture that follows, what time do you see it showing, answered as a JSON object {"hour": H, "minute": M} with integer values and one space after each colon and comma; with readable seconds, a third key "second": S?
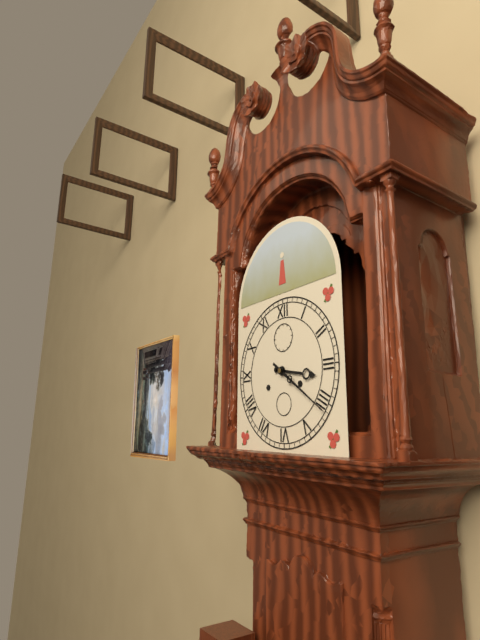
{"hour": 3, "minute": 21}
